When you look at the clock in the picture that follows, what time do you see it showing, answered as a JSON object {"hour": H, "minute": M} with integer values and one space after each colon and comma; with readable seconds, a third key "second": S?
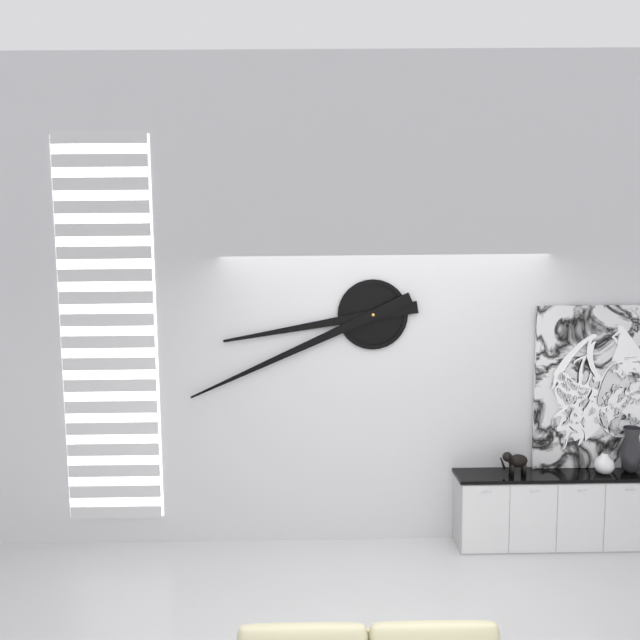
{"hour": 8, "minute": 41}
